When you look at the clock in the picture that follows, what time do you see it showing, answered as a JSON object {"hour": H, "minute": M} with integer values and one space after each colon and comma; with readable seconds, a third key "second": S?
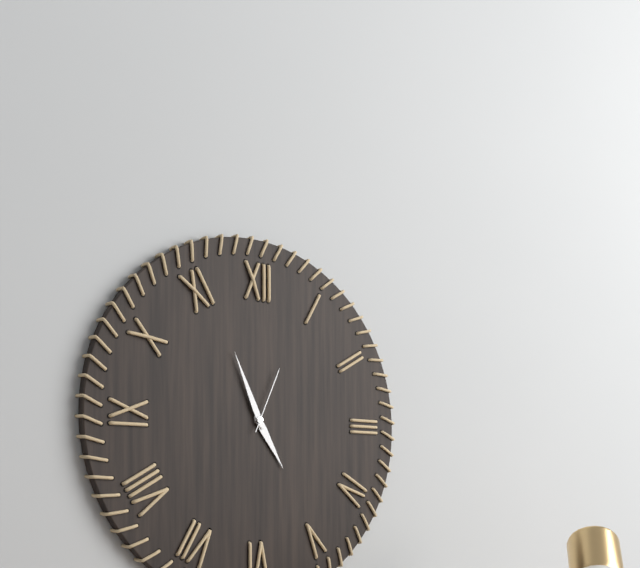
{"hour": 4, "minute": 56, "second": 4}
